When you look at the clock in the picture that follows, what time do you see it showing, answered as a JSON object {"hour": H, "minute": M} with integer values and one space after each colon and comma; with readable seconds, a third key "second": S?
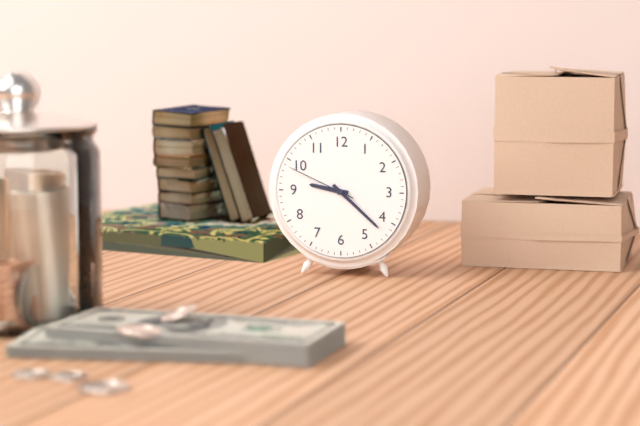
{"hour": 9, "minute": 22, "second": 49}
